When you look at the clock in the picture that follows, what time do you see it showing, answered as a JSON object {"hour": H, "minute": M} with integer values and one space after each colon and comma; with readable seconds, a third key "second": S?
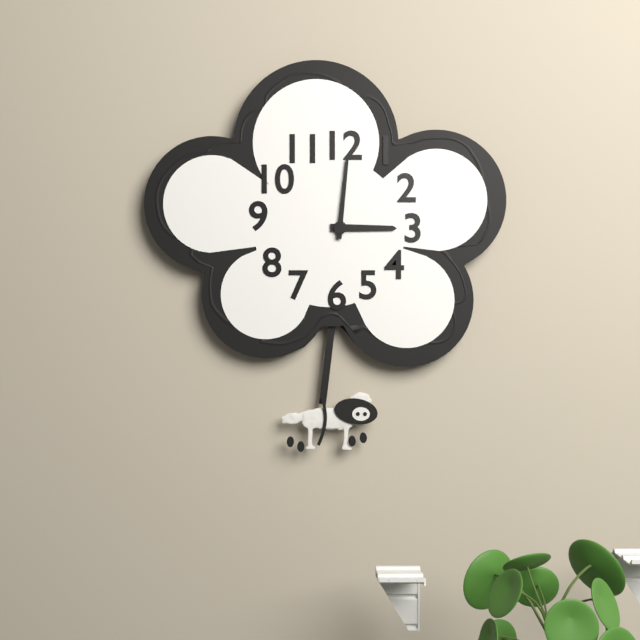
{"hour": 3, "minute": 1}
